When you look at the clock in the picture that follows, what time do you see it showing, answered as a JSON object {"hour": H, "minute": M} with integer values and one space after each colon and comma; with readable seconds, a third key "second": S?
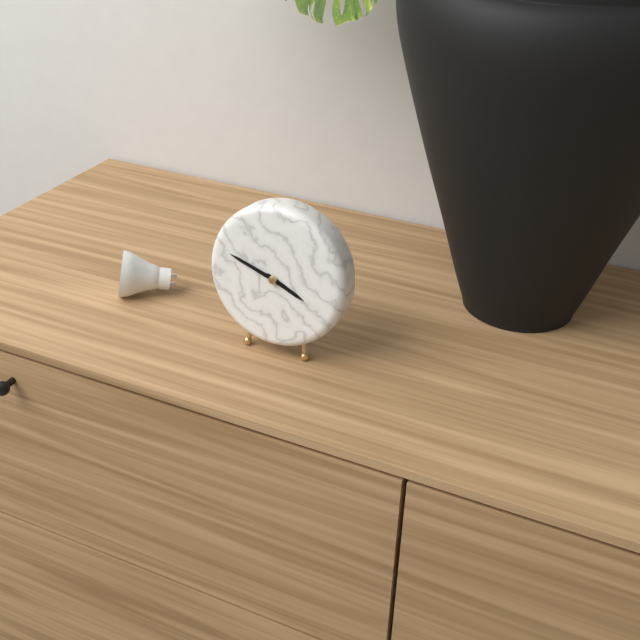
{"hour": 3, "minute": 48}
